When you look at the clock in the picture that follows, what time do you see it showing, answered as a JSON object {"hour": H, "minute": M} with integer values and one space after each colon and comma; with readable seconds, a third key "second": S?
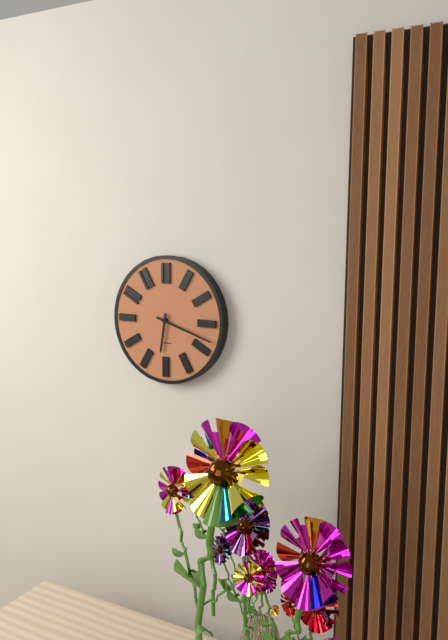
{"hour": 6, "minute": 18}
